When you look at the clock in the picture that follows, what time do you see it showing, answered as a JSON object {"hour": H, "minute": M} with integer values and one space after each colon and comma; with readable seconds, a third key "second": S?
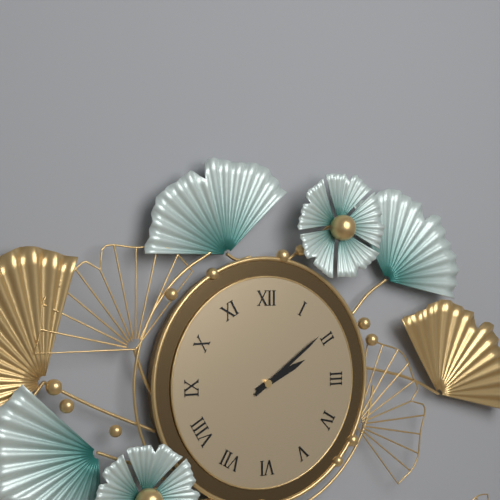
{"hour": 2, "minute": 9}
